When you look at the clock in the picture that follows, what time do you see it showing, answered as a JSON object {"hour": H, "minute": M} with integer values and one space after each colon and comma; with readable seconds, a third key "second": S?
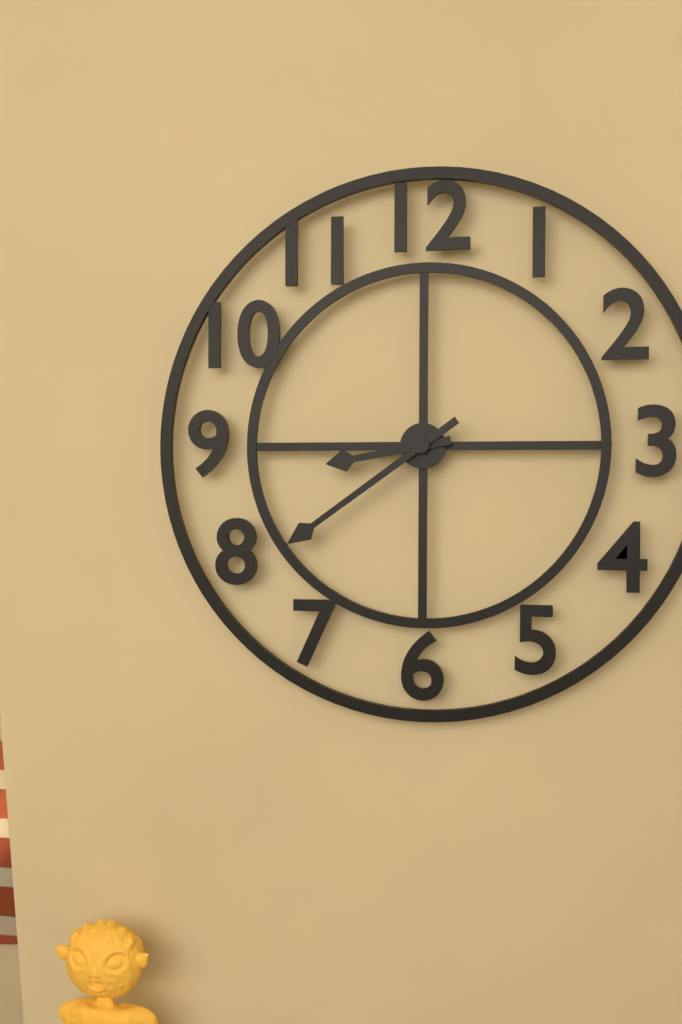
{"hour": 8, "minute": 39}
